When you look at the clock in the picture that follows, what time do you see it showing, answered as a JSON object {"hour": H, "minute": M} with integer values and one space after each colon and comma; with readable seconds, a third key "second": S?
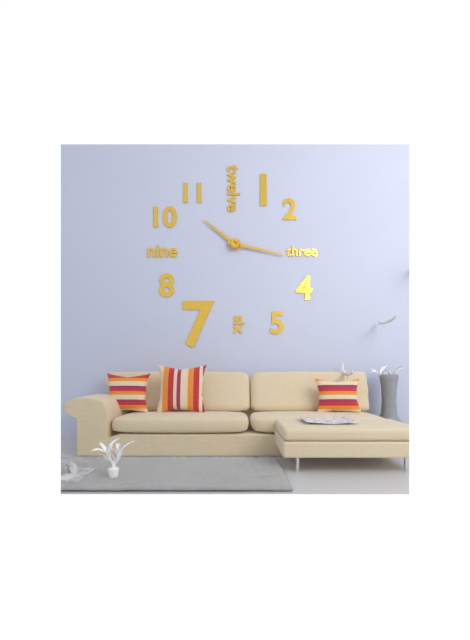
{"hour": 10, "minute": 17}
